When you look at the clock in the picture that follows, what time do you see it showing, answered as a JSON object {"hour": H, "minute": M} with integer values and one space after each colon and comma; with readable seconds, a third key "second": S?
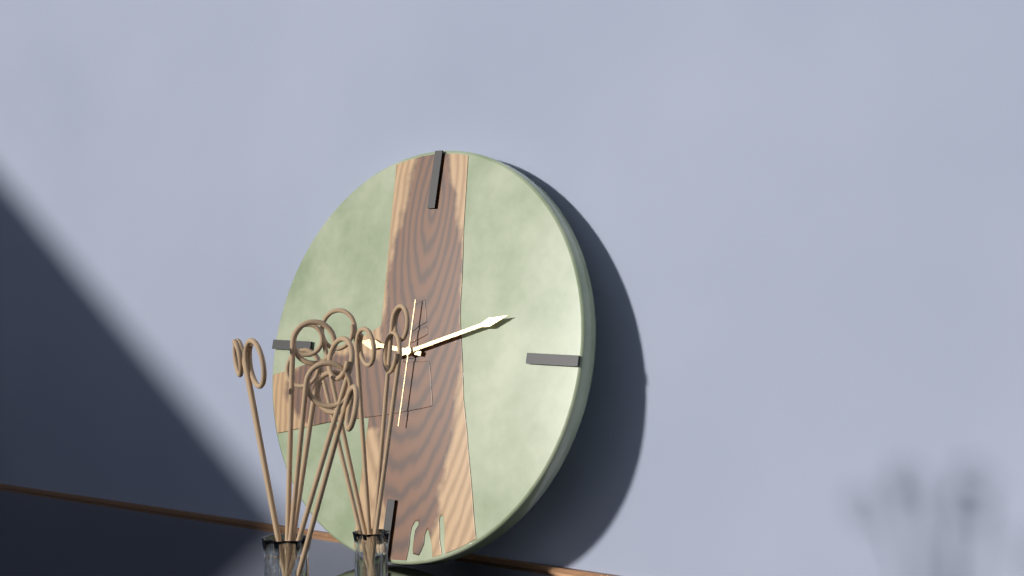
{"hour": 9, "minute": 12, "second": 30}
